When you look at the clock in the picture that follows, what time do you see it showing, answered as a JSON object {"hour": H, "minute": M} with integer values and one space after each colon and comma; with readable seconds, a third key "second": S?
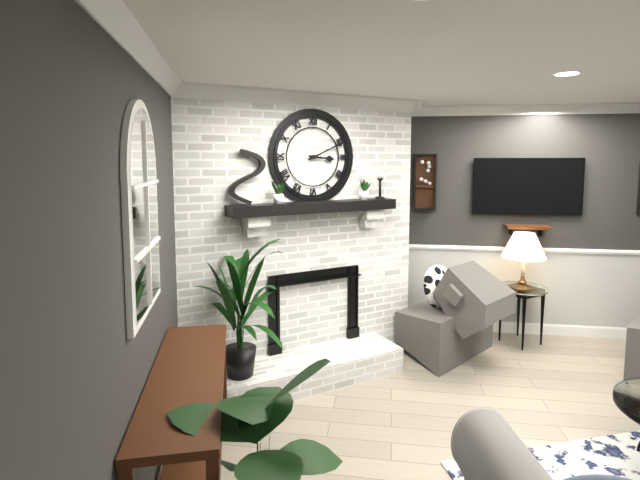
{"hour": 3, "minute": 11}
